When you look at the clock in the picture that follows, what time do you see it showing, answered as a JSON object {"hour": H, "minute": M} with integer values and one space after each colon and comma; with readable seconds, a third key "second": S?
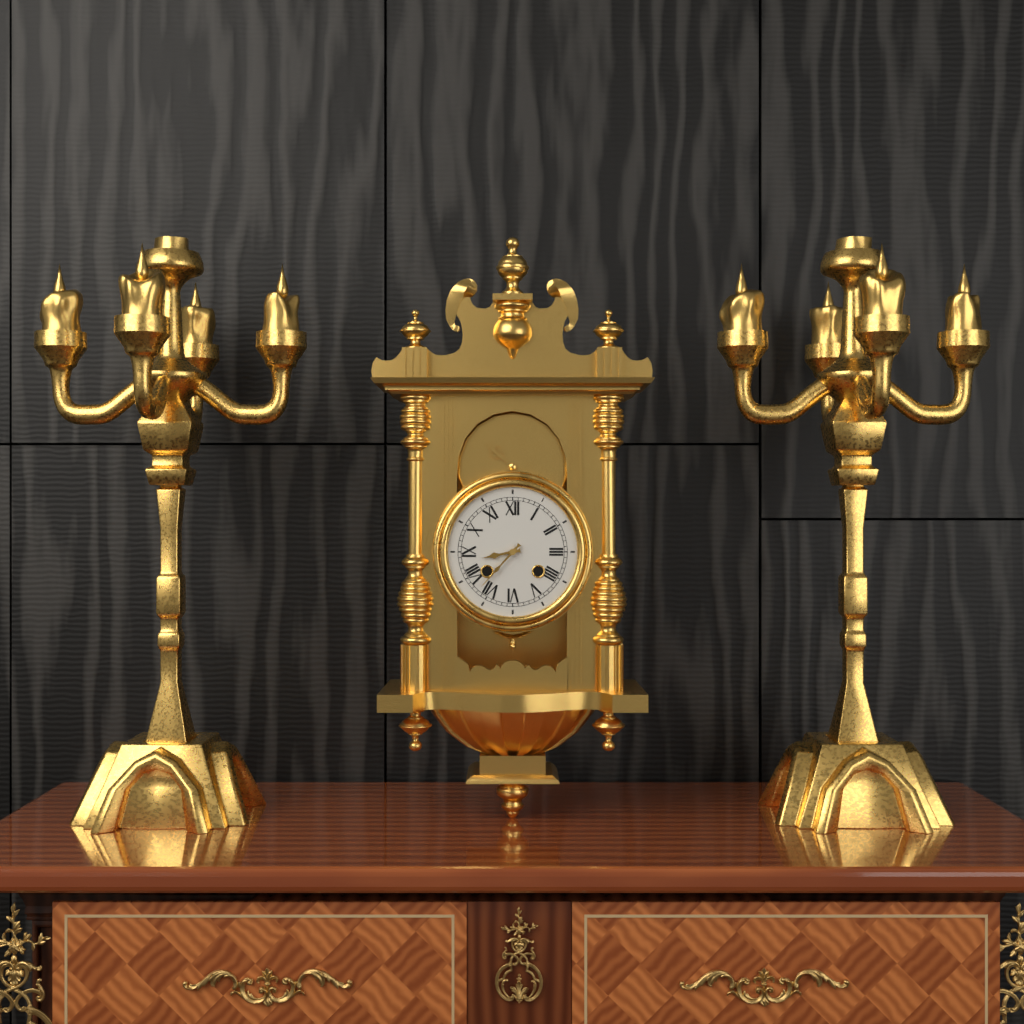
{"hour": 8, "minute": 37}
